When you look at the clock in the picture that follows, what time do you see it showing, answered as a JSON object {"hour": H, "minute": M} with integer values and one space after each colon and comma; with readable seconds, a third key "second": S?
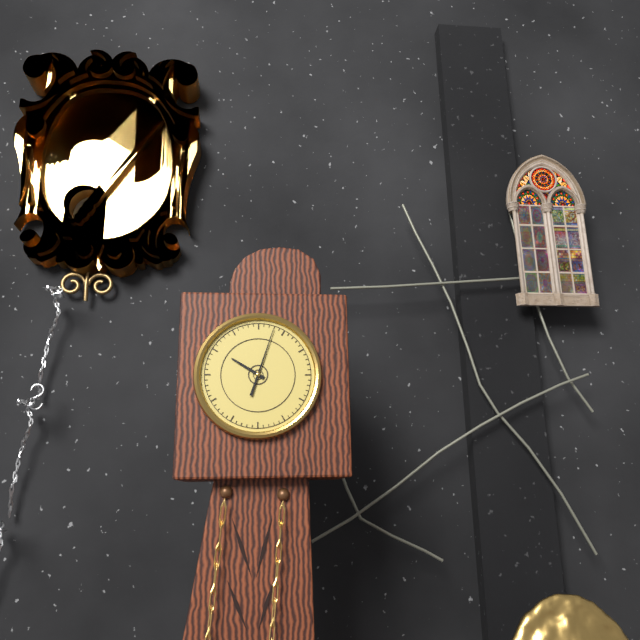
{"hour": 10, "minute": 3}
